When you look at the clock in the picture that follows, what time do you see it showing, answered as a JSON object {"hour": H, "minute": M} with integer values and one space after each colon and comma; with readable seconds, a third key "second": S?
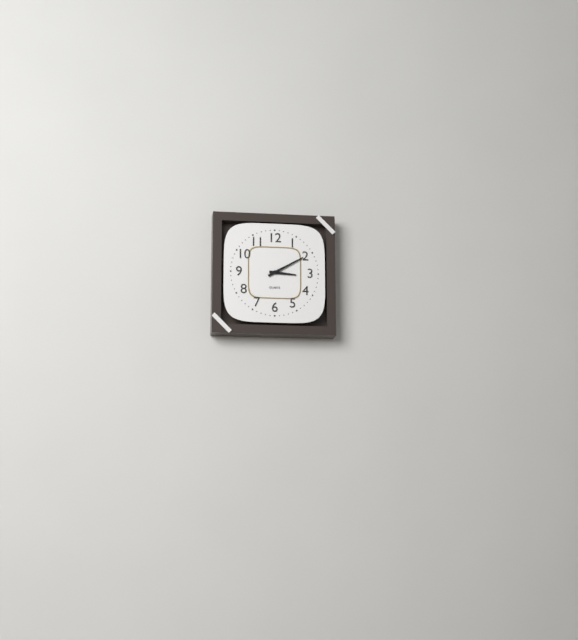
{"hour": 3, "minute": 10}
